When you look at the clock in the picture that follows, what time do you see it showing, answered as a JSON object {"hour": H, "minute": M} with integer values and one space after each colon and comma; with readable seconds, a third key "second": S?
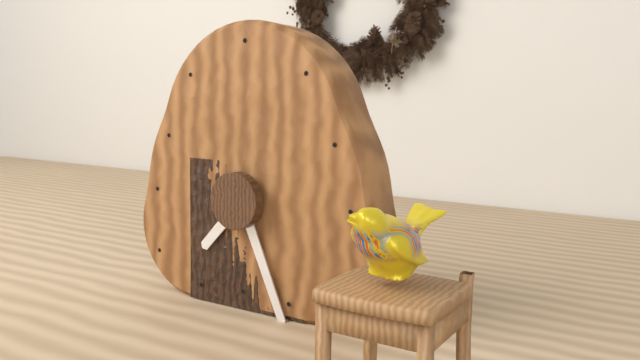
{"hour": 7, "minute": 26}
